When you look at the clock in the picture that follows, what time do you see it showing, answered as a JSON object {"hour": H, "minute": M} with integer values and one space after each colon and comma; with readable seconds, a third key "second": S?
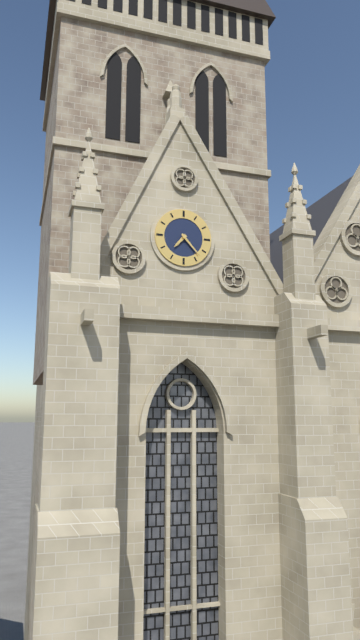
{"hour": 7, "minute": 23}
